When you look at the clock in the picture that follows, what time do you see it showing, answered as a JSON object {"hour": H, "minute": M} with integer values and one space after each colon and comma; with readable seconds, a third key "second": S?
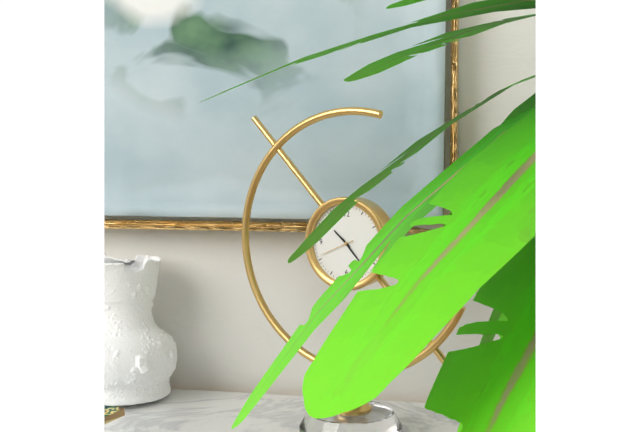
{"hour": 10, "minute": 23}
